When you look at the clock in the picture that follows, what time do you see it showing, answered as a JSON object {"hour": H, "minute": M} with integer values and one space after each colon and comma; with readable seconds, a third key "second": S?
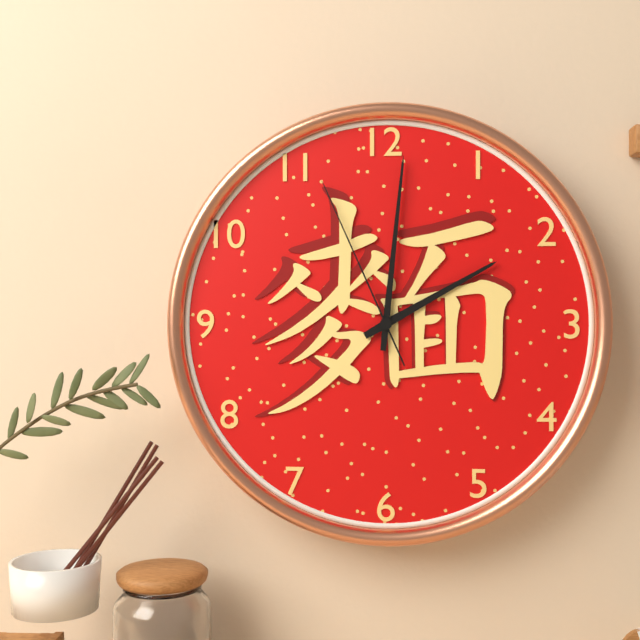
{"hour": 2, "minute": 1, "second": 56}
